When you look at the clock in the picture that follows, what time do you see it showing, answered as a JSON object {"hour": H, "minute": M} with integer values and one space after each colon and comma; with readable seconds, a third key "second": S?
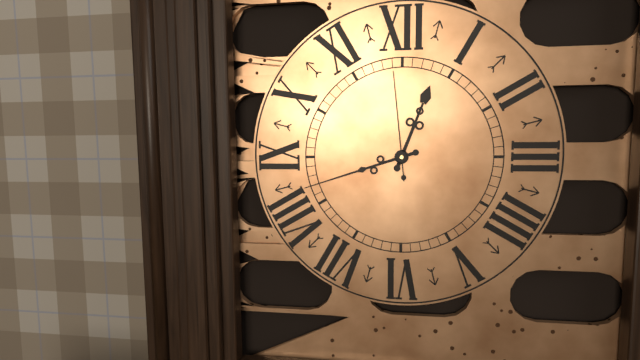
{"hour": 12, "minute": 42, "second": 59}
